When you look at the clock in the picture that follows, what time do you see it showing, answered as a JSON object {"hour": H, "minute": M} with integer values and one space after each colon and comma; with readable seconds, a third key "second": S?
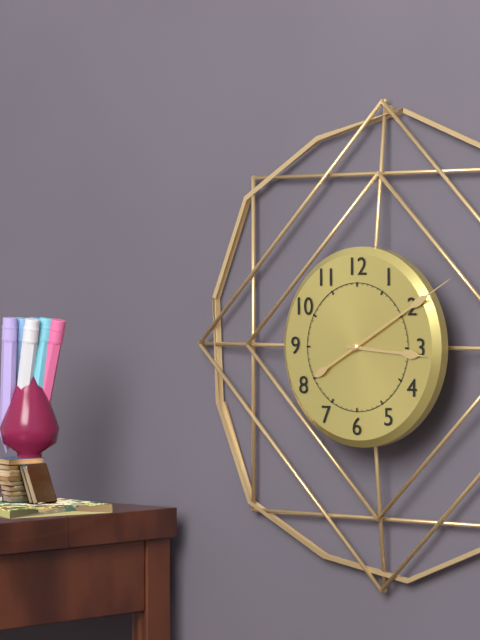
{"hour": 3, "minute": 10}
